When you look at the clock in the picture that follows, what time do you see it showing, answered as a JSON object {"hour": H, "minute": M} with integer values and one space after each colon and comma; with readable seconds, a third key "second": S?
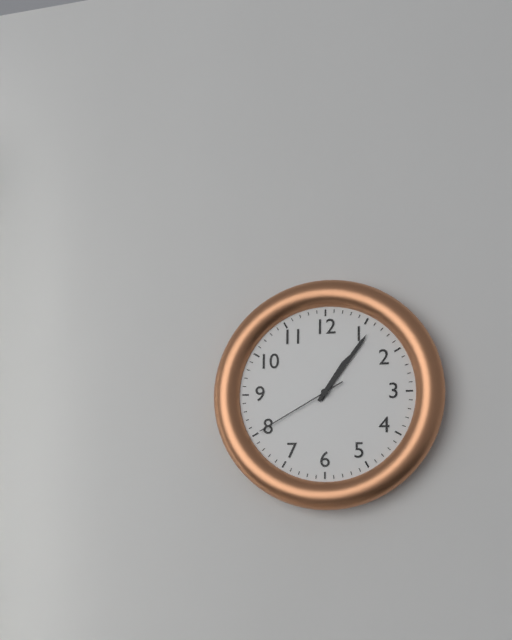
{"hour": 1, "minute": 6, "second": 40}
